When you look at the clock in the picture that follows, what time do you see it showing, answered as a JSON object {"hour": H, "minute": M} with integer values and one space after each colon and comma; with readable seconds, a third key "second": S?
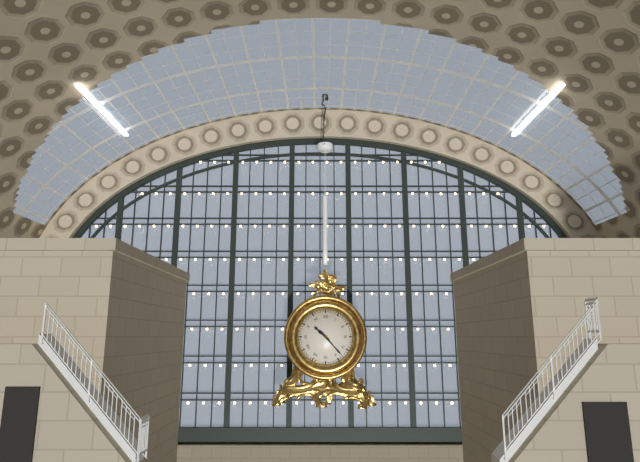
{"hour": 10, "minute": 23}
